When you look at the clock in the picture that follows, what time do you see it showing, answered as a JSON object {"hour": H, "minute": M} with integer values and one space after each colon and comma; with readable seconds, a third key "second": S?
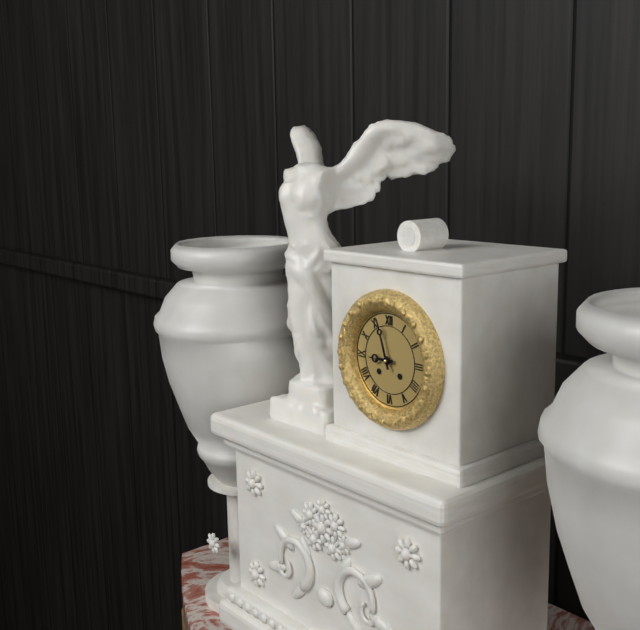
{"hour": 8, "minute": 57}
